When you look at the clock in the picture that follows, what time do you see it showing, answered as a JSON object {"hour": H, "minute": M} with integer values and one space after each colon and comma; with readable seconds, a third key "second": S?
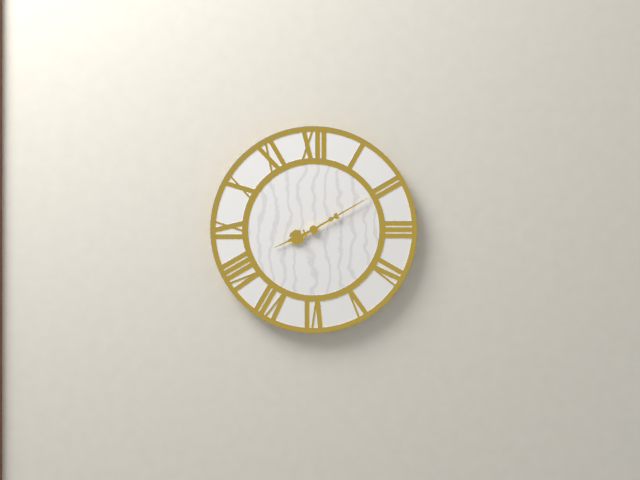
{"hour": 8, "minute": 10}
